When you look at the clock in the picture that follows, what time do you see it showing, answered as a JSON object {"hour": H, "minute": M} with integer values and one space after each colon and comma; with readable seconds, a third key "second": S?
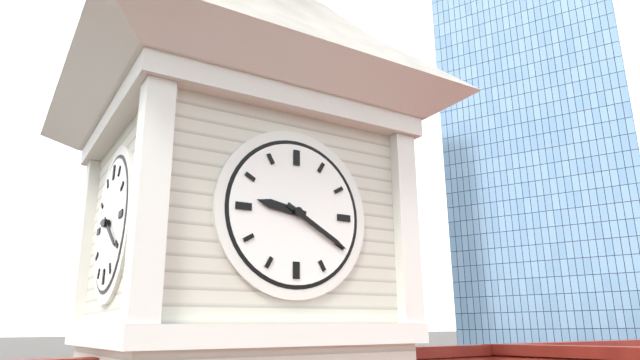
{"hour": 9, "minute": 20}
